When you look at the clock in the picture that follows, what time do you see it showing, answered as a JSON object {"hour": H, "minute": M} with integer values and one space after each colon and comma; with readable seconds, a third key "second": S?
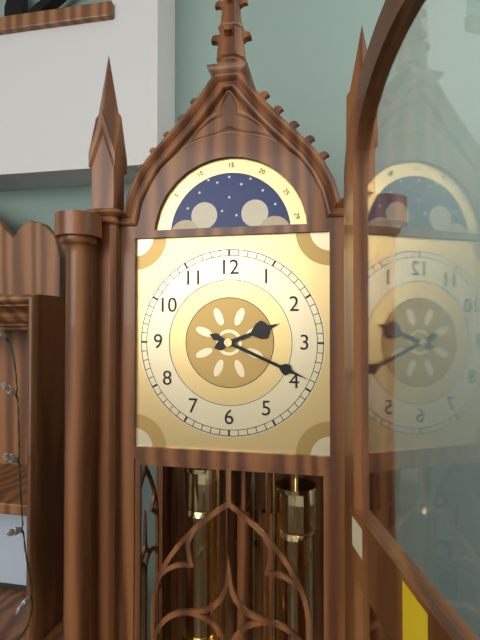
{"hour": 2, "minute": 19}
